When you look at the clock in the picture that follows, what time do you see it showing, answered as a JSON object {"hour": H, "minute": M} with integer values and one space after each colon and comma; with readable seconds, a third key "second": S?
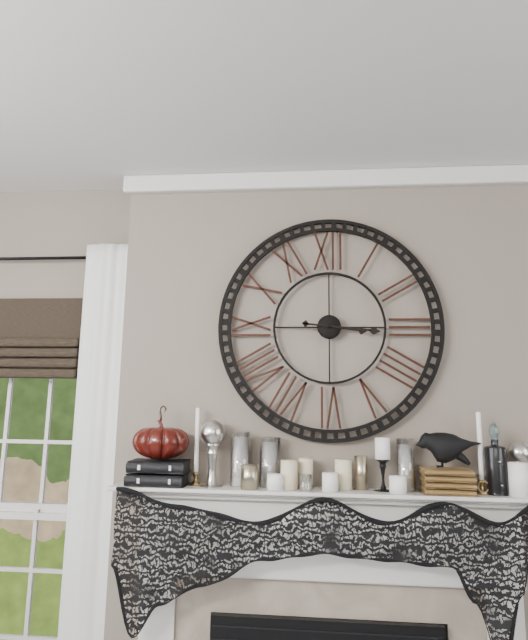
{"hour": 3, "minute": 16}
